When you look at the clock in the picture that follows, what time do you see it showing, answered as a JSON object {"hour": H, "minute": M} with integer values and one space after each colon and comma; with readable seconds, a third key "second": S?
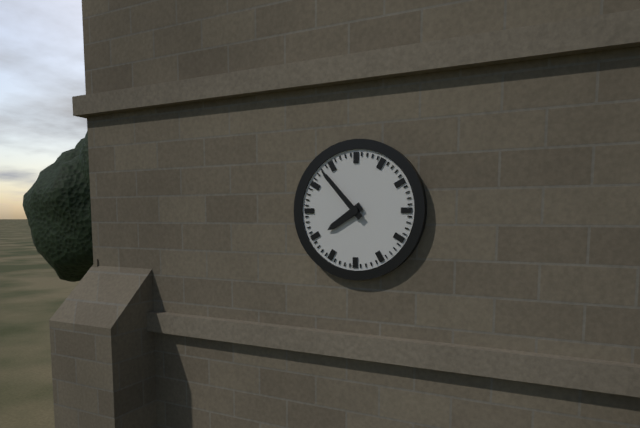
{"hour": 7, "minute": 53}
